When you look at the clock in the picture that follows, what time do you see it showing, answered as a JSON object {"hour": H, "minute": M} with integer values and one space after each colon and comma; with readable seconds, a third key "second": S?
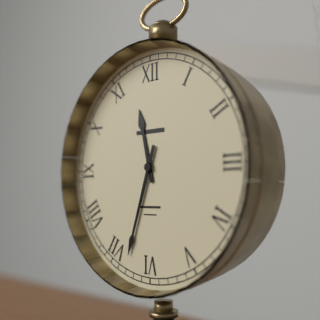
{"hour": 11, "minute": 33}
